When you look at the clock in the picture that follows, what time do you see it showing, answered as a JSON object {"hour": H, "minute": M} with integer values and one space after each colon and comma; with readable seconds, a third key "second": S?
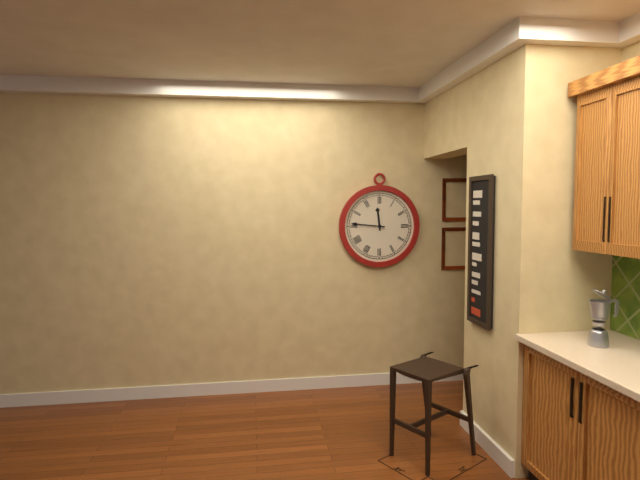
{"hour": 11, "minute": 46}
